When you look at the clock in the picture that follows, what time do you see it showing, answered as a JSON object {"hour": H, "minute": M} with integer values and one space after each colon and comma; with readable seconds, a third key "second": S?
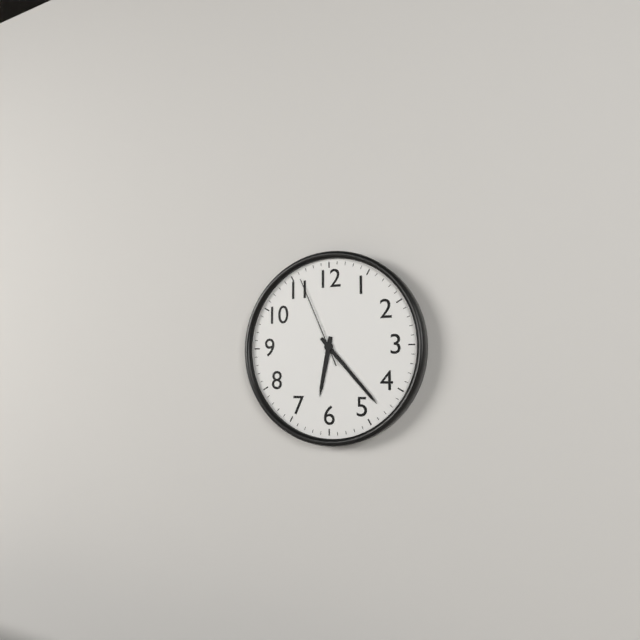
{"hour": 6, "minute": 23, "second": 56}
